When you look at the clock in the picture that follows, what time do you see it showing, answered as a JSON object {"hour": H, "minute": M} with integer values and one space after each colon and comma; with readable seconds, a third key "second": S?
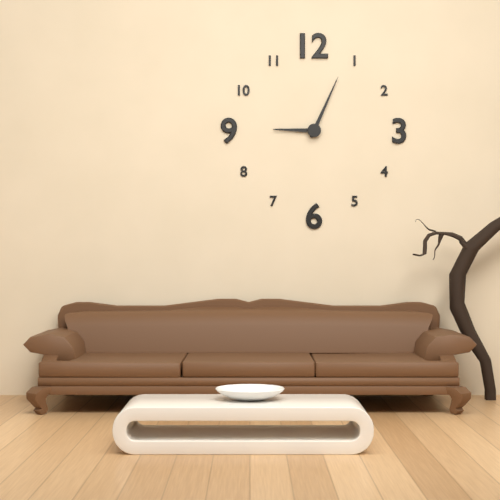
{"hour": 9, "minute": 4}
